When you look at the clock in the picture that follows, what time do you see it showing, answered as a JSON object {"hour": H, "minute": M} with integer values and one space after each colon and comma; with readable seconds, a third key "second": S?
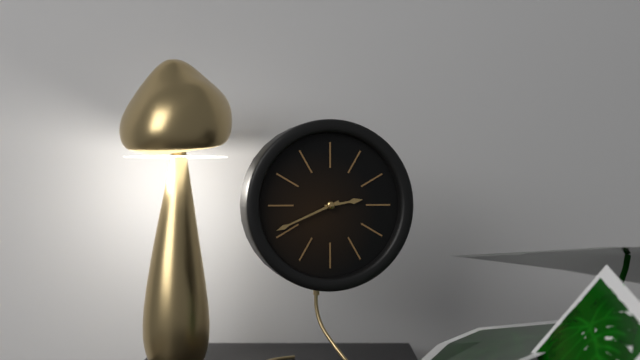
{"hour": 2, "minute": 41}
